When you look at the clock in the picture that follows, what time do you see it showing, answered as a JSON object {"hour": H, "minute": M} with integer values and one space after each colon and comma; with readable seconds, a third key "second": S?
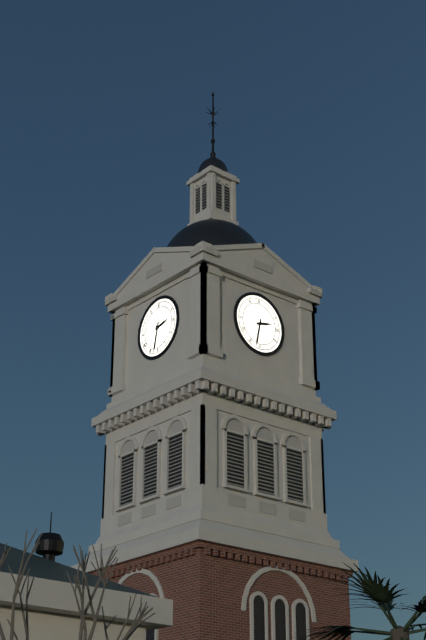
{"hour": 2, "minute": 32}
